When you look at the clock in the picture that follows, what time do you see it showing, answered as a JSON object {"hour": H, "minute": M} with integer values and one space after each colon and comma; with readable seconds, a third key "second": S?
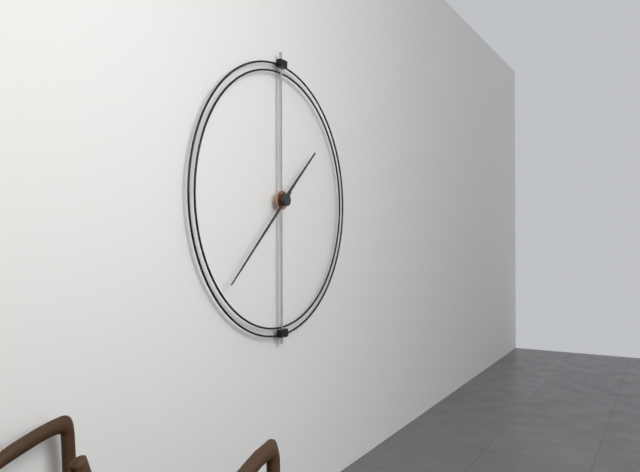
{"hour": 1, "minute": 38}
